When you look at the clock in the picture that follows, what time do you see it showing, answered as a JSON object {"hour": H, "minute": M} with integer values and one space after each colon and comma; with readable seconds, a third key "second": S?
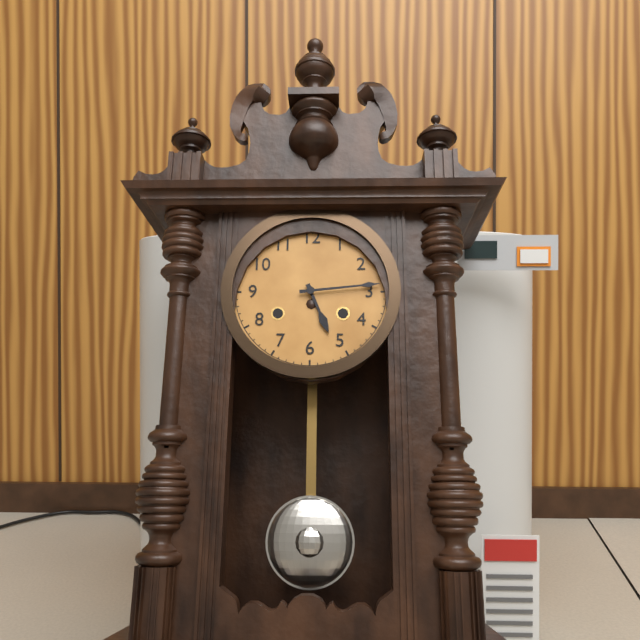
{"hour": 5, "minute": 14}
